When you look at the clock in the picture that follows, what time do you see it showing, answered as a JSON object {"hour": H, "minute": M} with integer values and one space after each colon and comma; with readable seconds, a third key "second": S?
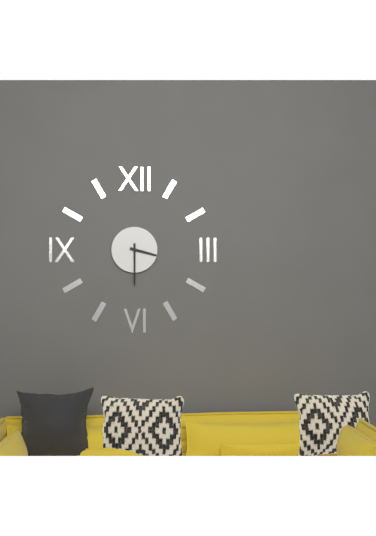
{"hour": 3, "minute": 30}
